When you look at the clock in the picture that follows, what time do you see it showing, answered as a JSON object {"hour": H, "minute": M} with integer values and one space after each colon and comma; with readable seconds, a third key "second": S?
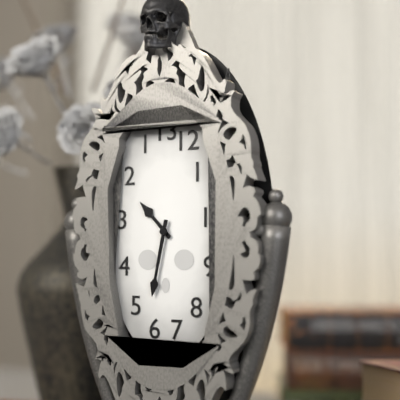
{"hour": 10, "minute": 32}
